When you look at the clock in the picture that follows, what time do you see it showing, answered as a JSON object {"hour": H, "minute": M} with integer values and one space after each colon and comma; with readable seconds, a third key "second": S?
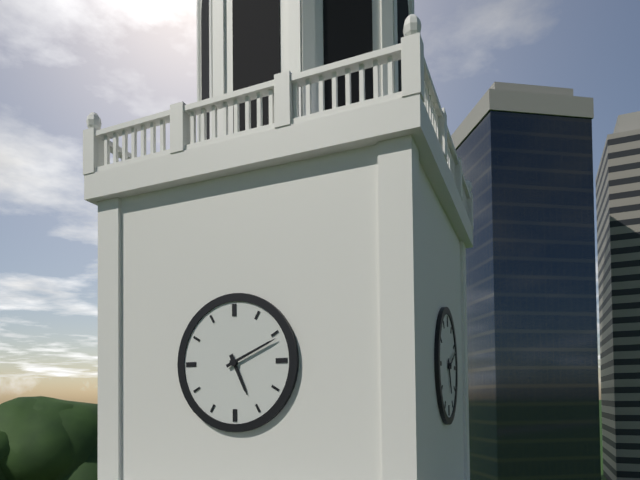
{"hour": 5, "minute": 11}
